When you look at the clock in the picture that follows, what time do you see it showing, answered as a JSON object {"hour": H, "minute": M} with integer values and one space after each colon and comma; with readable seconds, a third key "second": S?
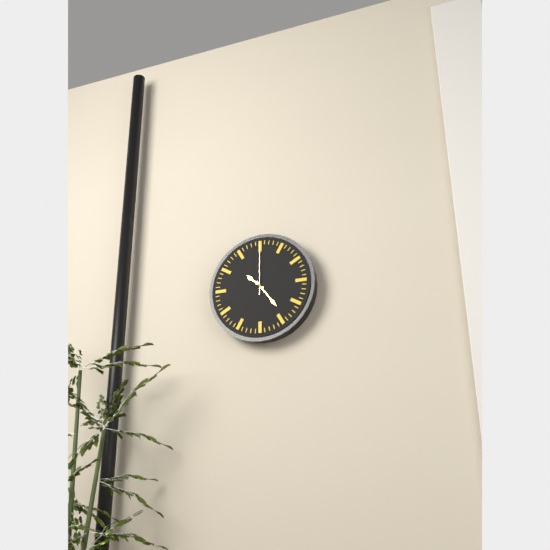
{"hour": 10, "minute": 24, "second": 0}
